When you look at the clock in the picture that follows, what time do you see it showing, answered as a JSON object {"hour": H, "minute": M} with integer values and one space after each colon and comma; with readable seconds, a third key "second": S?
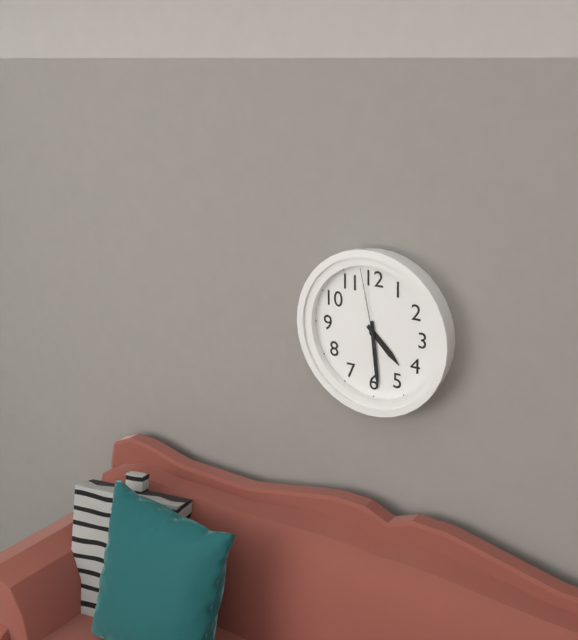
{"hour": 4, "minute": 29, "second": 58}
